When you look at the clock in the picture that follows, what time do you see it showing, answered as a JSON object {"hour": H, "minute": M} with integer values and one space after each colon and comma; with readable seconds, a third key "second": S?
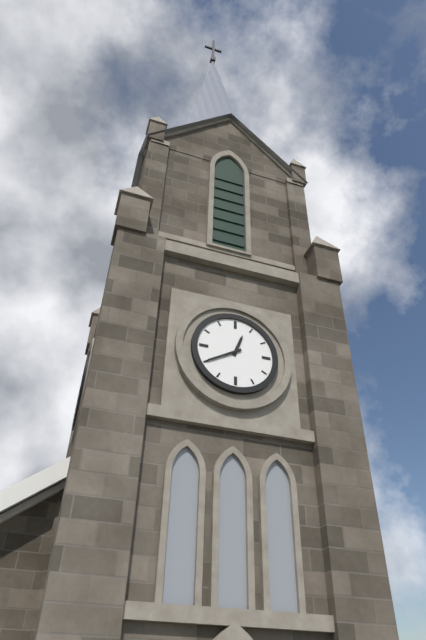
{"hour": 12, "minute": 40}
